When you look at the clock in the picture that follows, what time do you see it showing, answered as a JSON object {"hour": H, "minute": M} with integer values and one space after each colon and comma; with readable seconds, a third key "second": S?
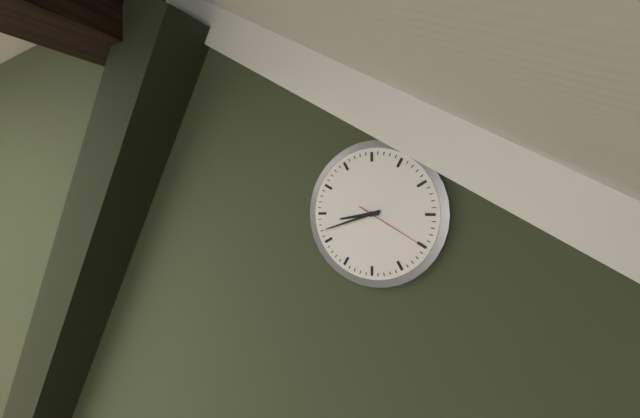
{"hour": 8, "minute": 42, "second": 20}
